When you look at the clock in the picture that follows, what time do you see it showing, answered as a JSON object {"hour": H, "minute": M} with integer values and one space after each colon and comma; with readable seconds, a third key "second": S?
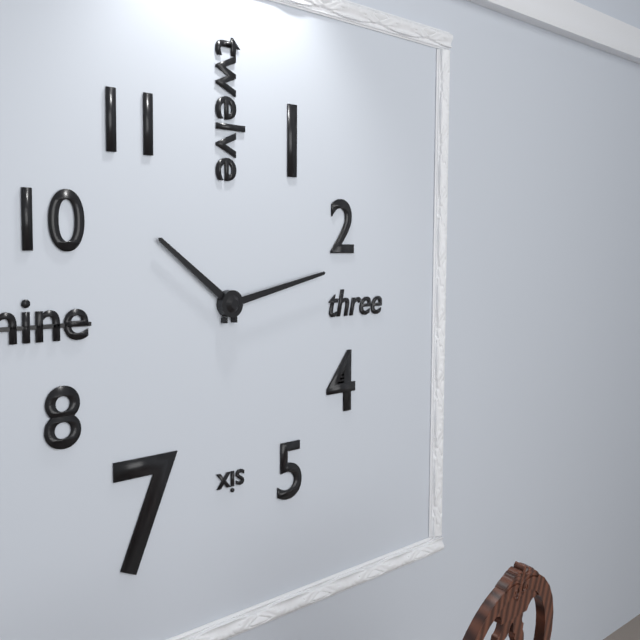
{"hour": 10, "minute": 13}
